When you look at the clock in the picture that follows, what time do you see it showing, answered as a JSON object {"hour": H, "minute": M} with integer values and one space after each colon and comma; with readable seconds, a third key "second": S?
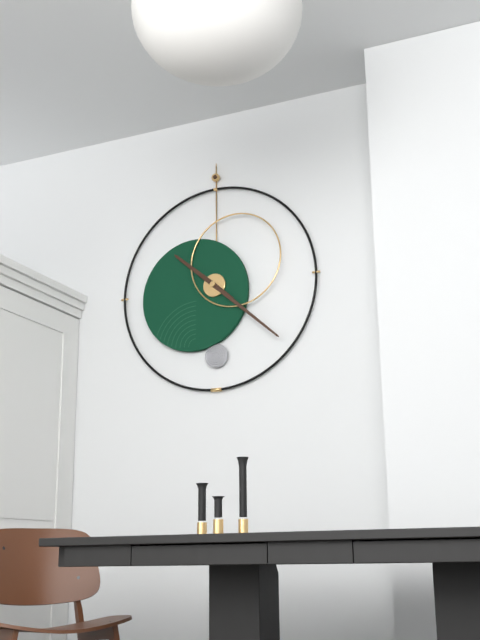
{"hour": 10, "minute": 22}
